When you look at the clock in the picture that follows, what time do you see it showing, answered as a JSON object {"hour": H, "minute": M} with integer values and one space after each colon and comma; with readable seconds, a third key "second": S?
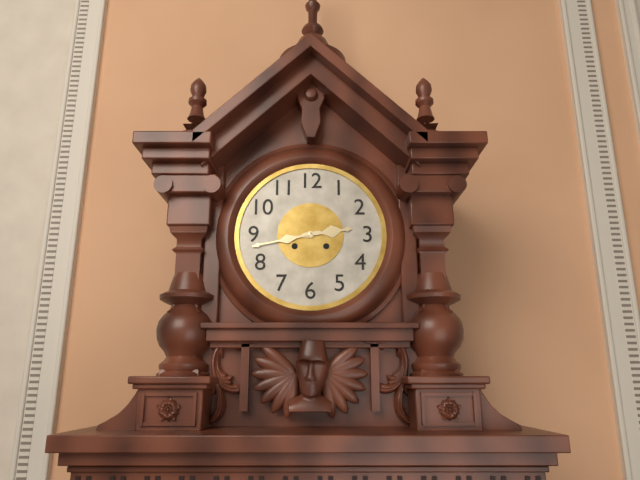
{"hour": 2, "minute": 43}
